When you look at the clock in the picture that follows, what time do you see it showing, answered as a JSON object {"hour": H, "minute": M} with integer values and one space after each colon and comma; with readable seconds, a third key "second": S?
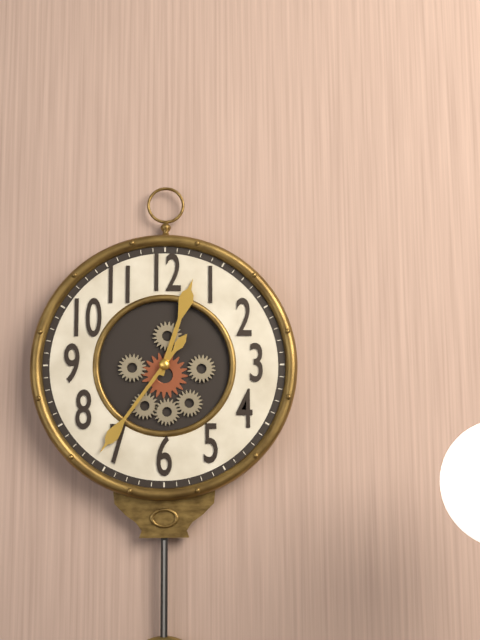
{"hour": 12, "minute": 36}
